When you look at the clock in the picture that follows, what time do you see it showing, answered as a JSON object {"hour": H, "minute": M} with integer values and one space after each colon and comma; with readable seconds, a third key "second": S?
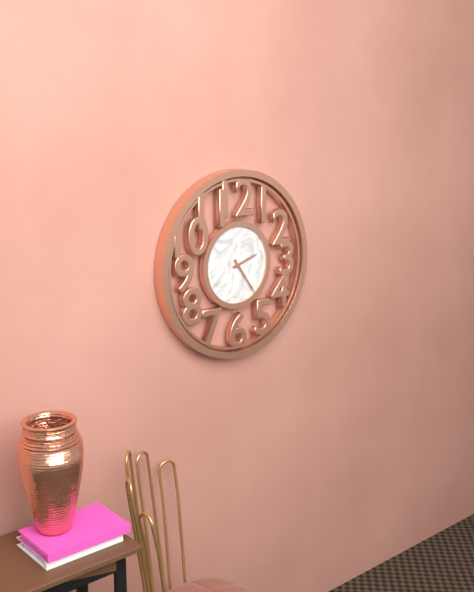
{"hour": 2, "minute": 24}
